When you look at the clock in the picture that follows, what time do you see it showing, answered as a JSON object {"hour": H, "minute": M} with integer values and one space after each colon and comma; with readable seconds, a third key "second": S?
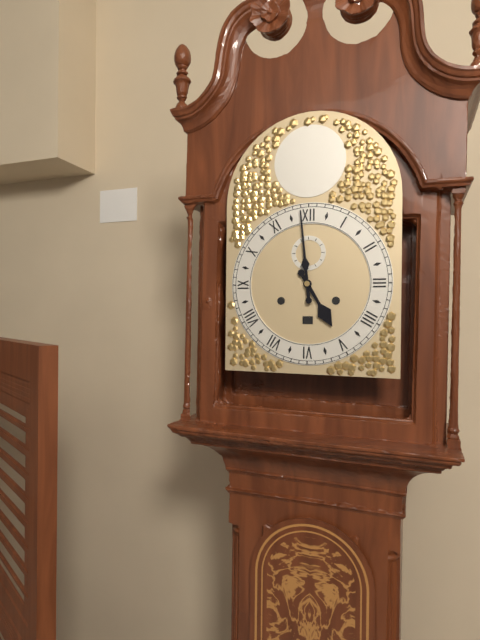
{"hour": 4, "minute": 59}
